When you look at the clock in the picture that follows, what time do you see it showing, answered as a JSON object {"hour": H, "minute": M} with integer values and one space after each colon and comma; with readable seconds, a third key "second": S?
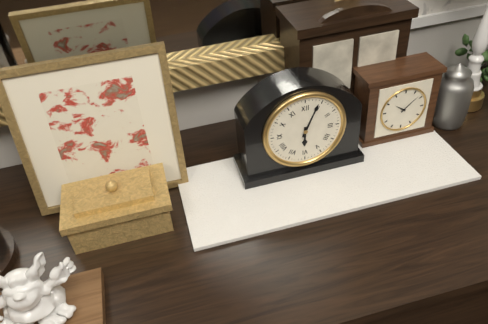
{"hour": 6, "minute": 4}
